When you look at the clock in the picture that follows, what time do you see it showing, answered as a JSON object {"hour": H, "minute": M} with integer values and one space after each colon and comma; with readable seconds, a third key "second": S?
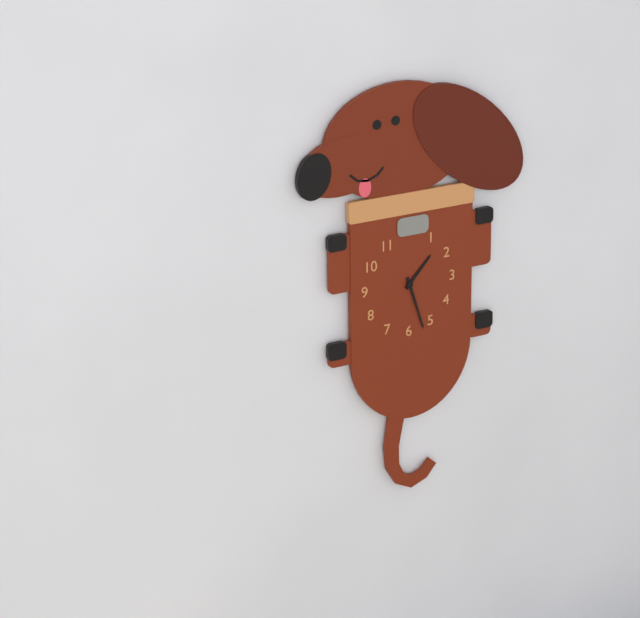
{"hour": 1, "minute": 27}
